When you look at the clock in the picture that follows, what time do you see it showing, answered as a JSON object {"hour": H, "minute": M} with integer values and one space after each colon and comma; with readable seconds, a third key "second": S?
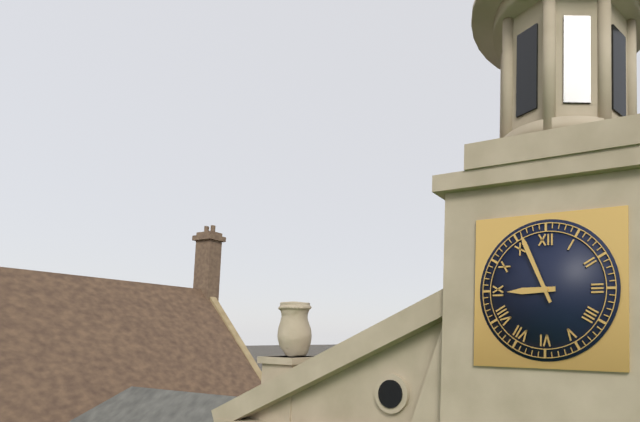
{"hour": 8, "minute": 56}
